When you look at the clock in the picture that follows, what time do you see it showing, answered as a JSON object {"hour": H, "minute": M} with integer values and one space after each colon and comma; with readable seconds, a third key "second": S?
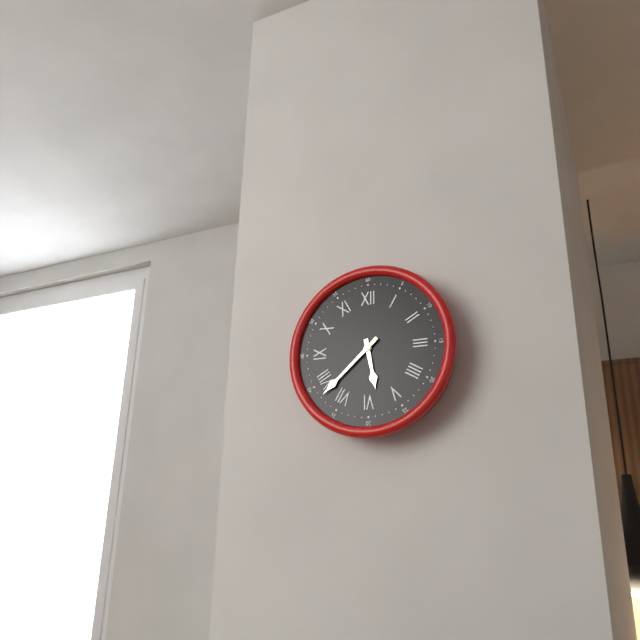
{"hour": 5, "minute": 38}
